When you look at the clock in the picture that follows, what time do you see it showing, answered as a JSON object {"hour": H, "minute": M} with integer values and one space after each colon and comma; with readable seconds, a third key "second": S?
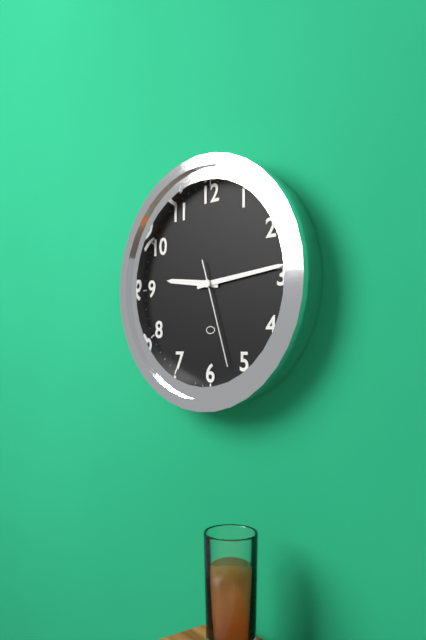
{"hour": 9, "minute": 14, "second": 27}
